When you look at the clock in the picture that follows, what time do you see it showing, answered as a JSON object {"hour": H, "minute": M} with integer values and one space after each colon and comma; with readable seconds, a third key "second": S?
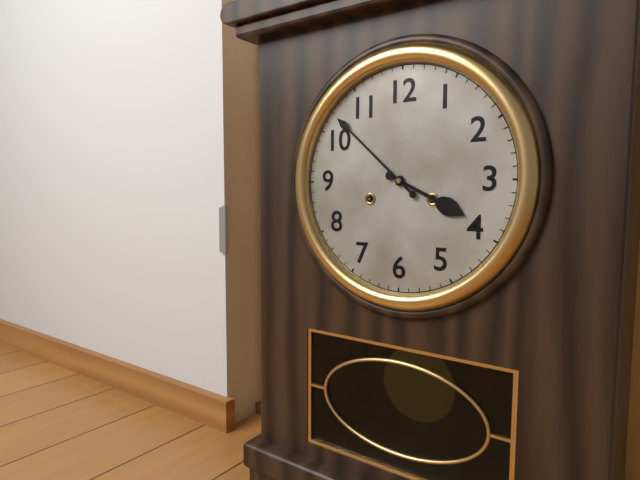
{"hour": 3, "minute": 52}
